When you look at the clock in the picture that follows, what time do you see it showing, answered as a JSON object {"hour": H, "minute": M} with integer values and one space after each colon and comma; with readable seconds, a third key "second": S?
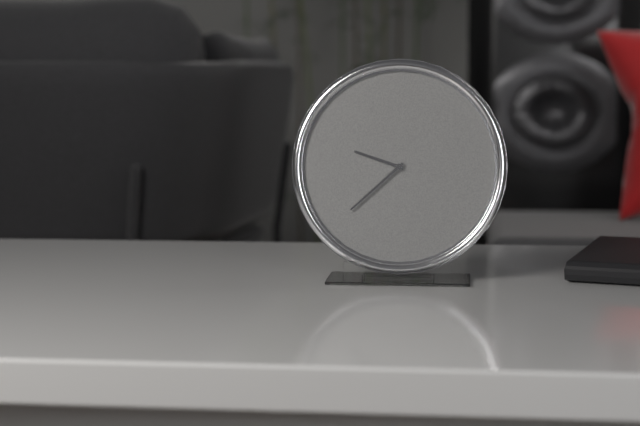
{"hour": 9, "minute": 38}
